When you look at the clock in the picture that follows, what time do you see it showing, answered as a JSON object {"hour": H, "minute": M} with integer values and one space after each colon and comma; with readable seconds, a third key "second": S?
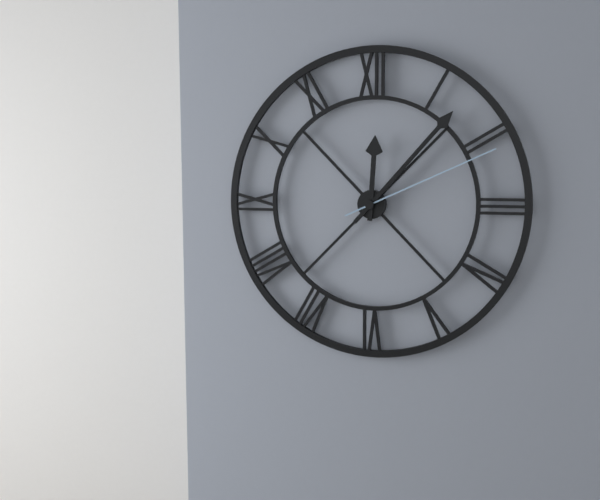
{"hour": 12, "minute": 7, "second": 11}
